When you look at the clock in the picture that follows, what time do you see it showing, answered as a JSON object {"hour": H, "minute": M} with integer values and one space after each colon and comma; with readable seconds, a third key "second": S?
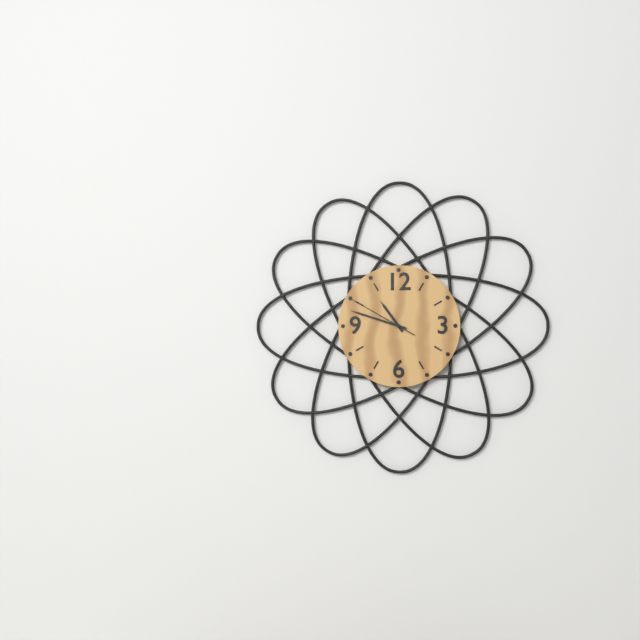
{"hour": 10, "minute": 48, "second": 50}
